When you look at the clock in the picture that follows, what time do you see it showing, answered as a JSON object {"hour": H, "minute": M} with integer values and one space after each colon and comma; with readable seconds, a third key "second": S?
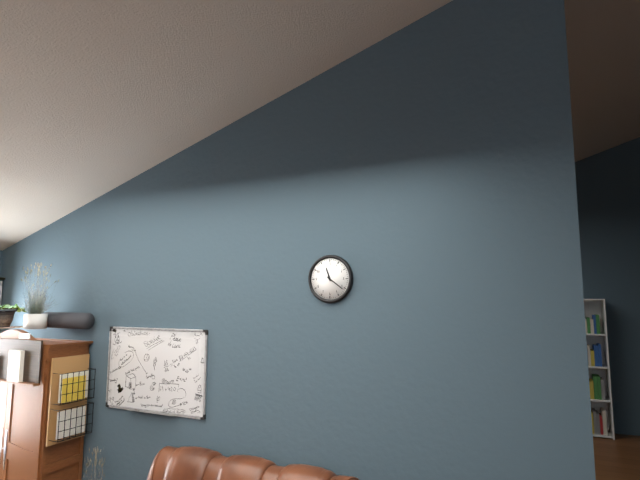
{"hour": 11, "minute": 21}
